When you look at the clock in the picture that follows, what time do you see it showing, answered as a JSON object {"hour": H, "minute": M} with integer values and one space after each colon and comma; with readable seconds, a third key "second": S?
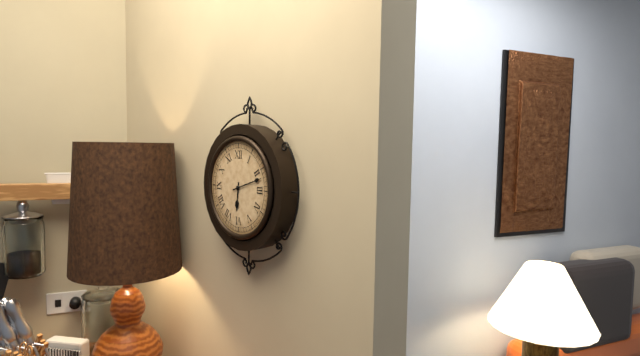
{"hour": 6, "minute": 12}
